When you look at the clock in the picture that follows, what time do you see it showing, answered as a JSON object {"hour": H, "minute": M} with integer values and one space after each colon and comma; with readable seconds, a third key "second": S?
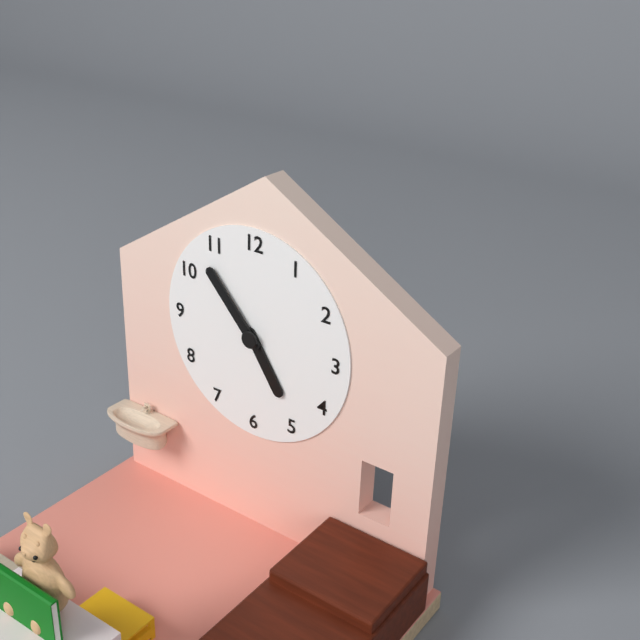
{"hour": 4, "minute": 53}
